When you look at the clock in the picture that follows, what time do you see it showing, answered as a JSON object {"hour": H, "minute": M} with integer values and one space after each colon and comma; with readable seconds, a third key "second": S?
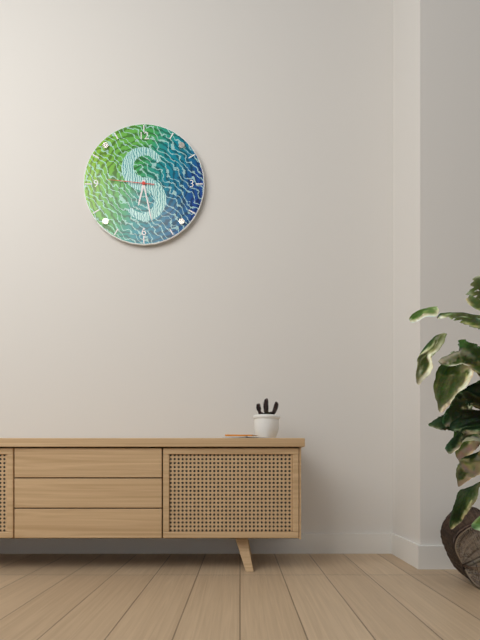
{"hour": 6, "minute": 28}
